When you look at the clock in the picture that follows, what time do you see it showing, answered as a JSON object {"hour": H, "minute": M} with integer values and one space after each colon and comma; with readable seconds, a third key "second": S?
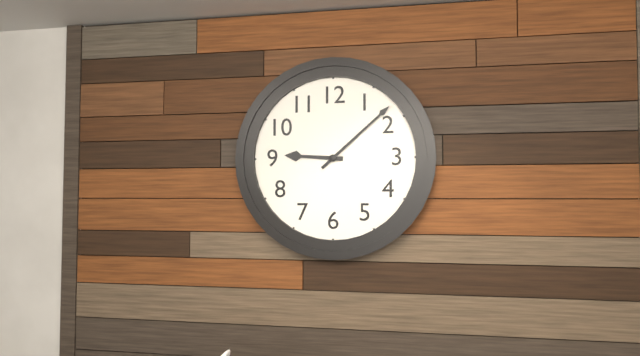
{"hour": 9, "minute": 8}
